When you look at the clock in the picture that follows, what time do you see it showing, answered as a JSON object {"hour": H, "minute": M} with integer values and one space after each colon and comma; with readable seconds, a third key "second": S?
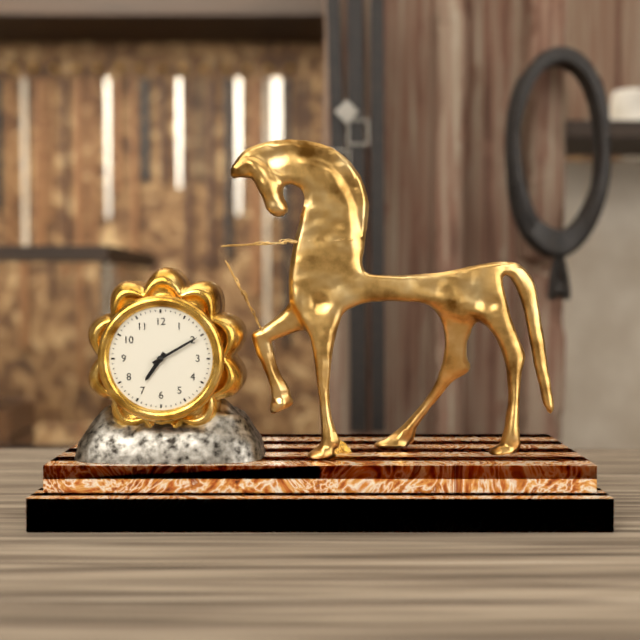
{"hour": 7, "minute": 10}
